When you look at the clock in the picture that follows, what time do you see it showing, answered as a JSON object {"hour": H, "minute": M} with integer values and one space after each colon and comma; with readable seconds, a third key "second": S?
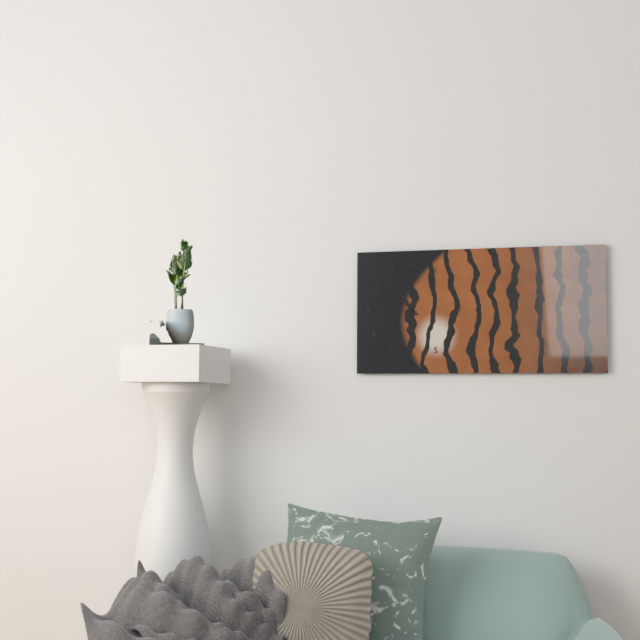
{"hour": 10, "minute": 52}
